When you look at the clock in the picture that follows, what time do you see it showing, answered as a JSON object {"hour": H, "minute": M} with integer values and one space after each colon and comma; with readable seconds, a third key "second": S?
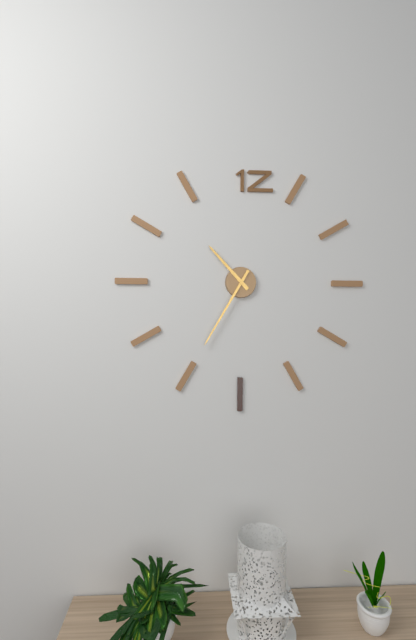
{"hour": 10, "minute": 35}
